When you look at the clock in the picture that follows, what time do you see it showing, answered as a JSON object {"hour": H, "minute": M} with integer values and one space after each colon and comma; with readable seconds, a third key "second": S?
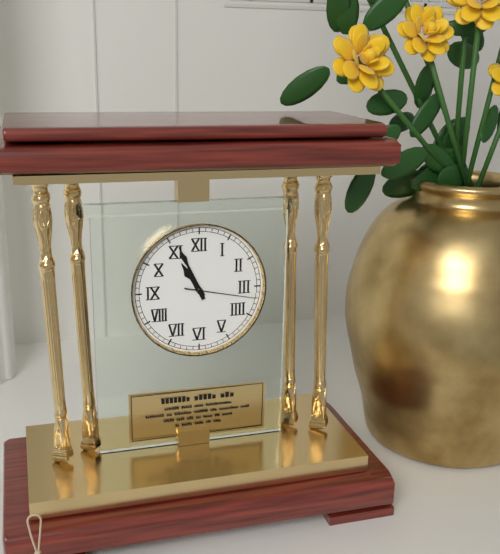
{"hour": 10, "minute": 56, "second": 17}
